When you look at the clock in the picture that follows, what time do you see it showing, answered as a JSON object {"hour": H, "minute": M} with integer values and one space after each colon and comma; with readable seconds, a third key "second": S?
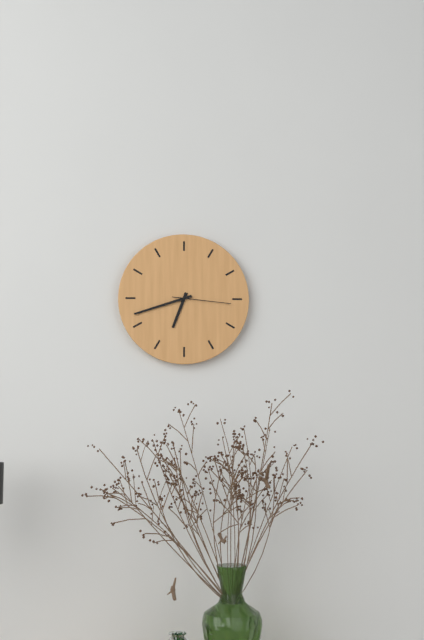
{"hour": 6, "minute": 42, "second": 16}
